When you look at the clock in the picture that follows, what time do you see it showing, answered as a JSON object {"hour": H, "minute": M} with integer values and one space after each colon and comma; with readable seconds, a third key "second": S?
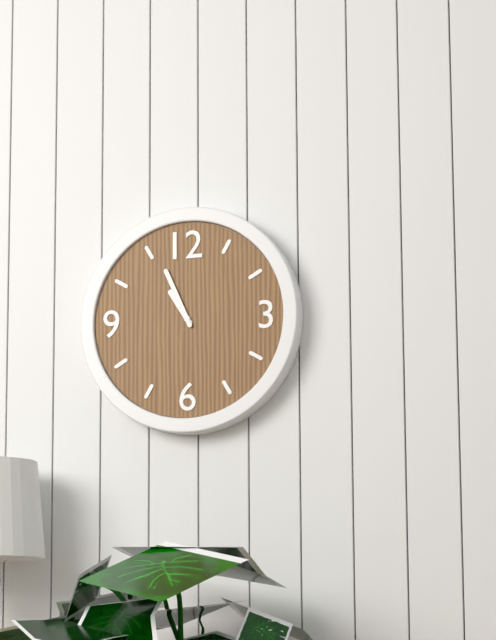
{"hour": 10, "minute": 56}
